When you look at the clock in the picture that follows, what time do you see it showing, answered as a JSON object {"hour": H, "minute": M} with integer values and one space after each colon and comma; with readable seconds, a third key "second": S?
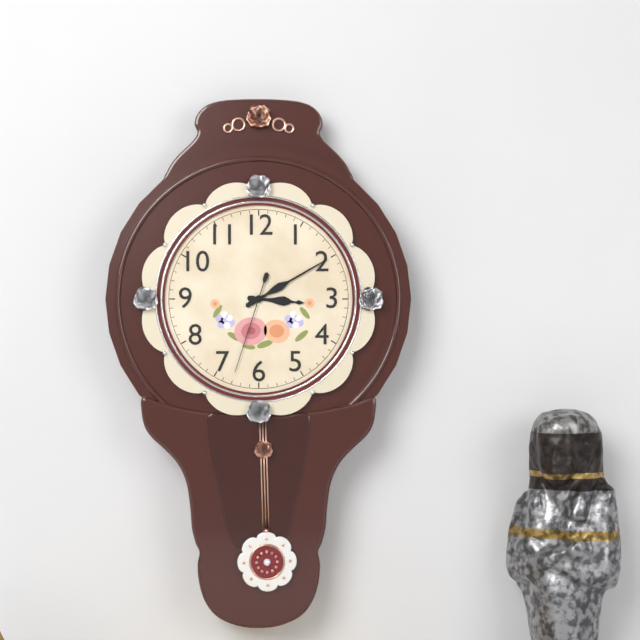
{"hour": 3, "minute": 10, "second": 33}
